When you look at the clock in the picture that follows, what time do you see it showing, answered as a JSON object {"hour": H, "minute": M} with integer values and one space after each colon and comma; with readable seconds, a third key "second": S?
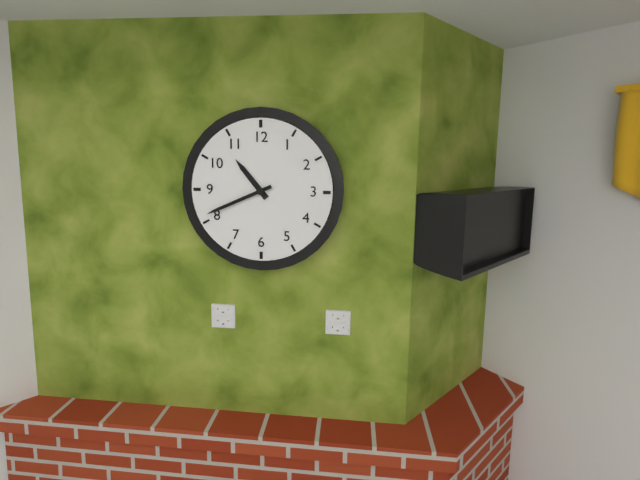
{"hour": 10, "minute": 41}
